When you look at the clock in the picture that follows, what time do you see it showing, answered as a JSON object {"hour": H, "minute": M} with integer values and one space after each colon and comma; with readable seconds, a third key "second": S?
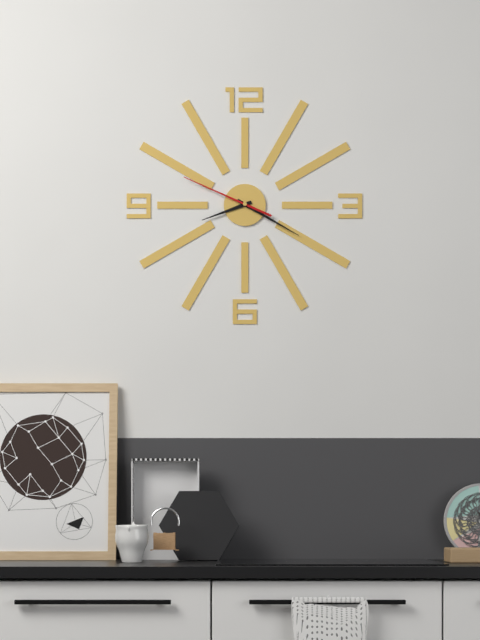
{"hour": 8, "minute": 20, "second": 49}
